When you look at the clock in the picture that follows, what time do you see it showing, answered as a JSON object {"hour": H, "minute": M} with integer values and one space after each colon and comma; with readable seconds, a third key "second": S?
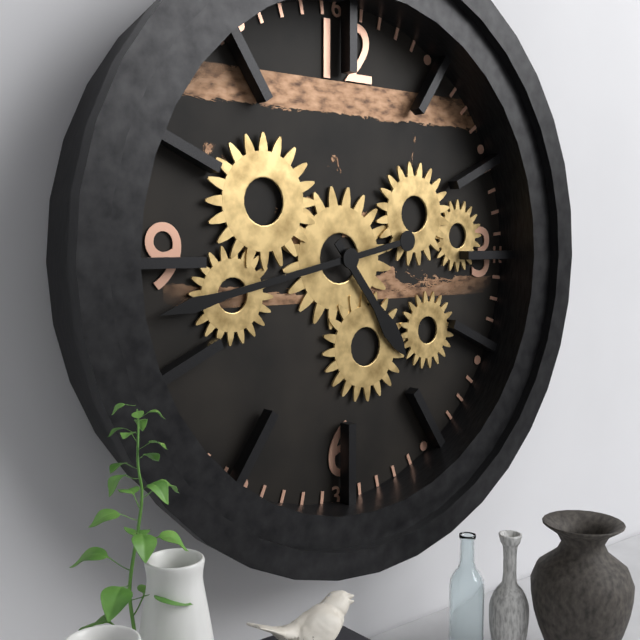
{"hour": 4, "minute": 43}
